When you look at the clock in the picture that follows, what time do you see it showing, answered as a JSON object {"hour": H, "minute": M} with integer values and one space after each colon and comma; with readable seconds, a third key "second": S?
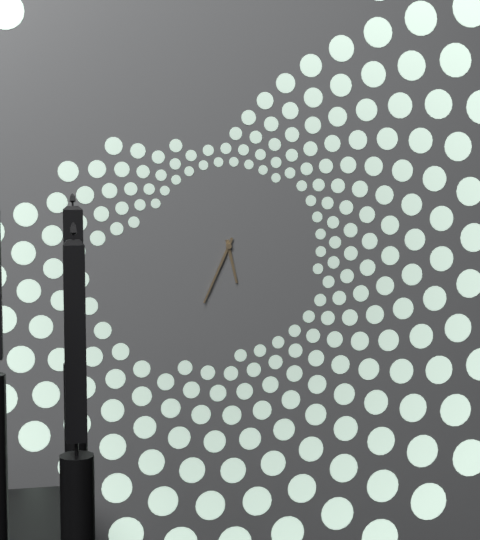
{"hour": 5, "minute": 34}
